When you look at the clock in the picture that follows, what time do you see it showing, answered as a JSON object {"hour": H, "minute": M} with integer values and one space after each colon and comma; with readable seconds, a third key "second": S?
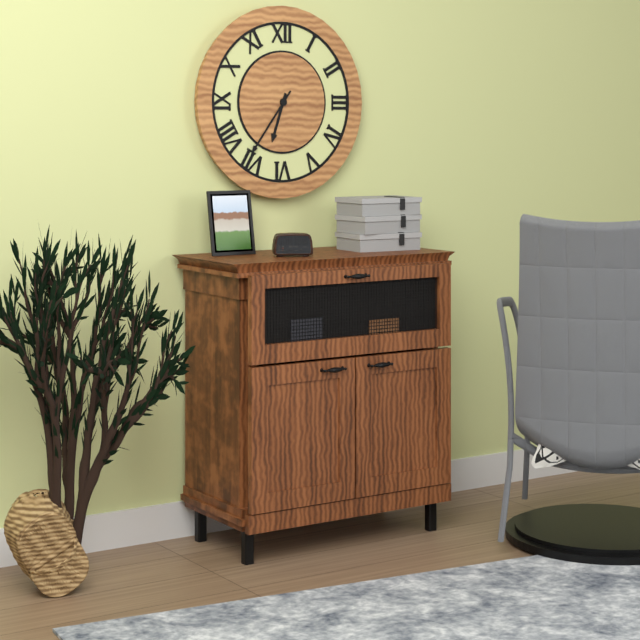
{"hour": 6, "minute": 36}
